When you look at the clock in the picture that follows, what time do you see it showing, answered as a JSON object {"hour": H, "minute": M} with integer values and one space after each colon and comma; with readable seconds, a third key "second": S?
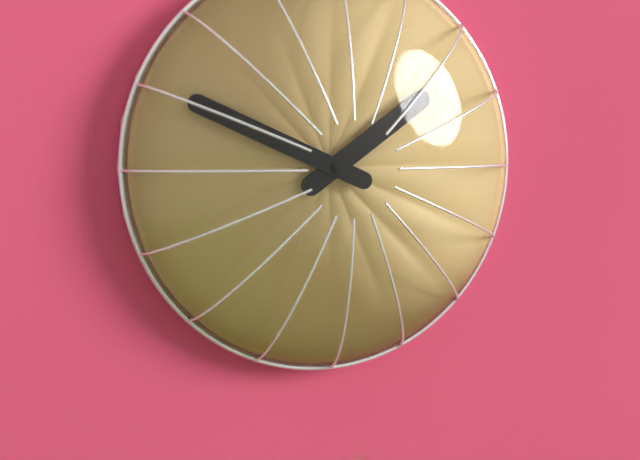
{"hour": 1, "minute": 49}
